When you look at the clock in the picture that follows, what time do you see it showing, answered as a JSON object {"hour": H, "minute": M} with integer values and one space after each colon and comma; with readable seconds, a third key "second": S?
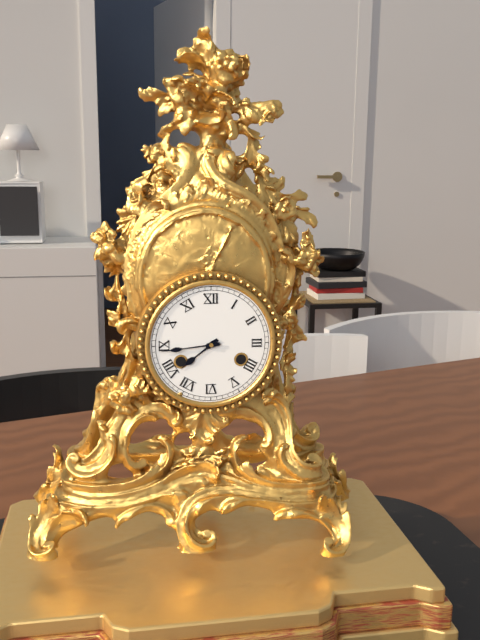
{"hour": 7, "minute": 44}
